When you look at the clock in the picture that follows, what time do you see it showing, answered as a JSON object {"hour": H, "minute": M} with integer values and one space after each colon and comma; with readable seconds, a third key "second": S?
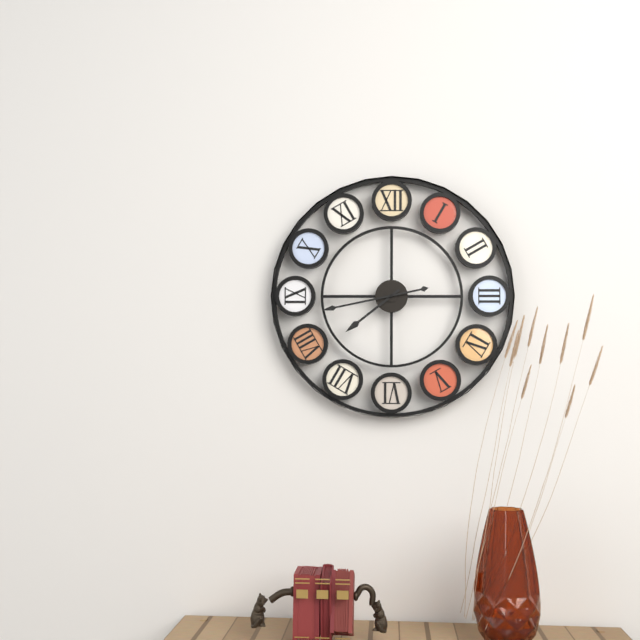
{"hour": 7, "minute": 43}
